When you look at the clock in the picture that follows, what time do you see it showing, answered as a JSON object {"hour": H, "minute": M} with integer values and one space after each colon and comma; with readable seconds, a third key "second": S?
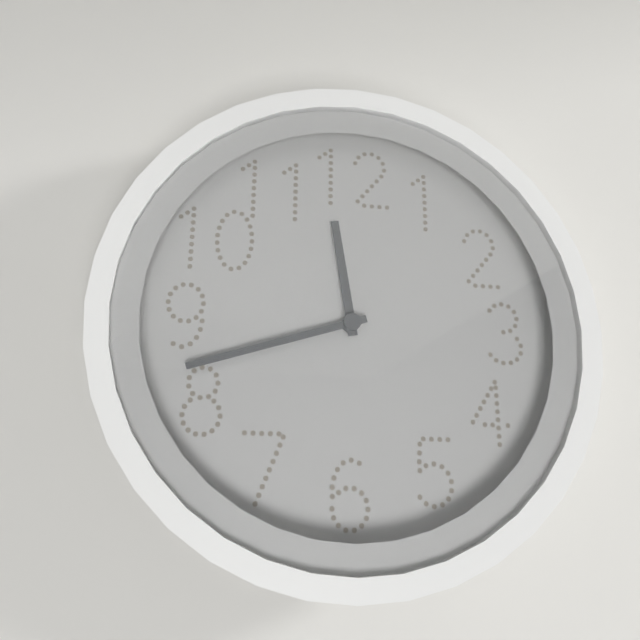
{"hour": 11, "minute": 42}
